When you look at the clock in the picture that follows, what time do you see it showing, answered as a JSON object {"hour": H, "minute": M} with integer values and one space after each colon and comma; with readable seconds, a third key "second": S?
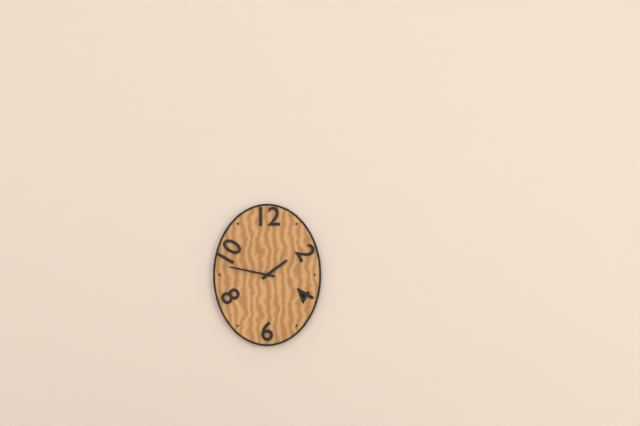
{"hour": 1, "minute": 47}
